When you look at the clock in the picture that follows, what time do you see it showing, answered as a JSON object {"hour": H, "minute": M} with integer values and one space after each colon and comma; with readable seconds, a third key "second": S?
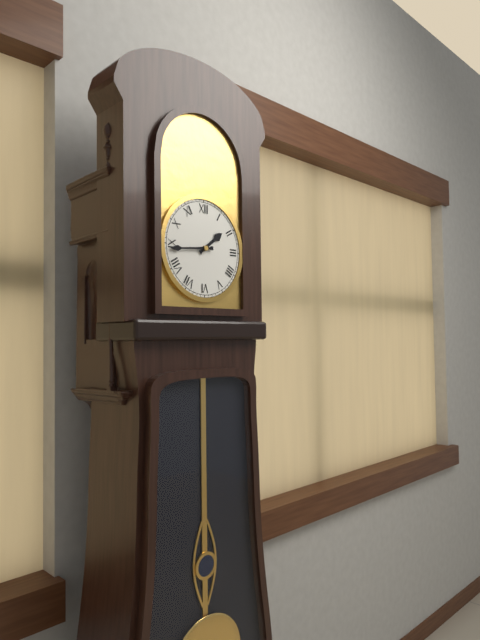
{"hour": 1, "minute": 44}
